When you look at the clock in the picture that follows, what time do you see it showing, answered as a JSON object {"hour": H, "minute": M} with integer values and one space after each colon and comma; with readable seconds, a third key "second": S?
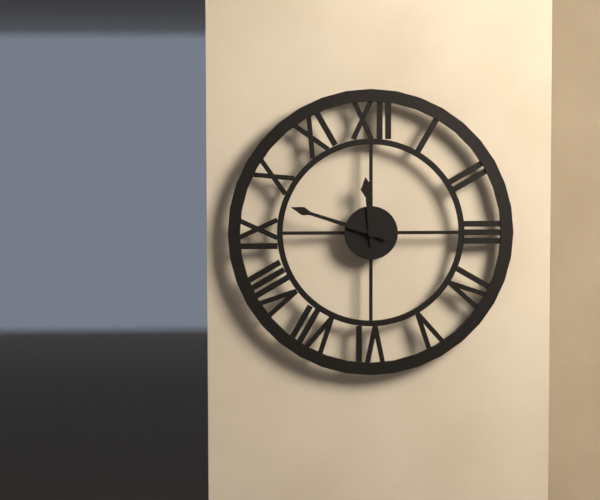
{"hour": 11, "minute": 48}
